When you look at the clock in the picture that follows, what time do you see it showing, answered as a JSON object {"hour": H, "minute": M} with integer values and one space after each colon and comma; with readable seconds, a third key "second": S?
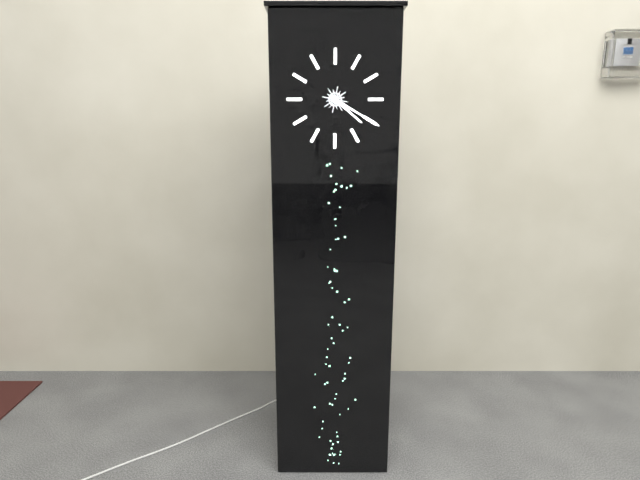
{"hour": 4, "minute": 20}
